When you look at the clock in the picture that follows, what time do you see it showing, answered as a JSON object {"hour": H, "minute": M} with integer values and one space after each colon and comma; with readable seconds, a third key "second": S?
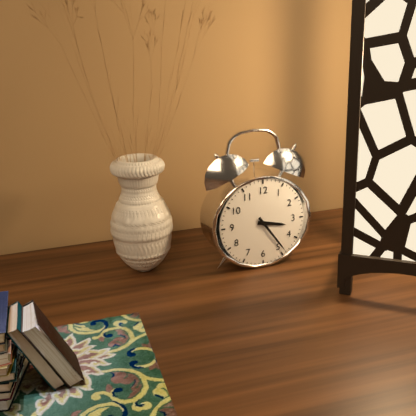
{"hour": 3, "minute": 24}
